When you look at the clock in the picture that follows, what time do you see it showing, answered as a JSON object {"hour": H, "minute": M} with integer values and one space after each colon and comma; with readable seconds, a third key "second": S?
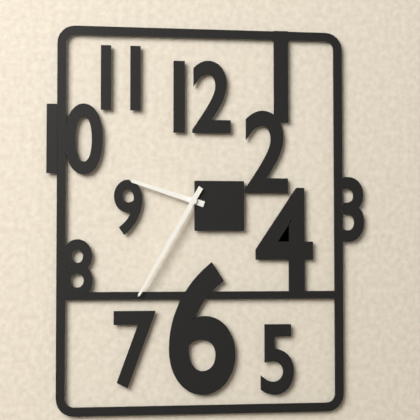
{"hour": 9, "minute": 35}
